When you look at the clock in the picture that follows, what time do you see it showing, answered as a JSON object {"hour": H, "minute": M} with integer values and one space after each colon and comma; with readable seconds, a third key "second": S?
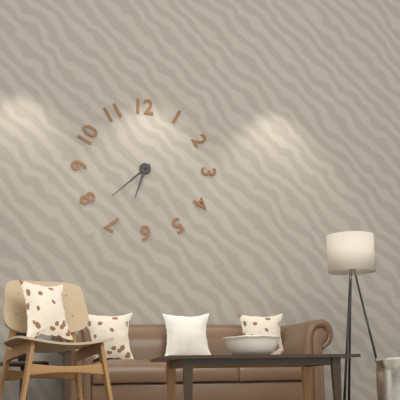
{"hour": 6, "minute": 38}
